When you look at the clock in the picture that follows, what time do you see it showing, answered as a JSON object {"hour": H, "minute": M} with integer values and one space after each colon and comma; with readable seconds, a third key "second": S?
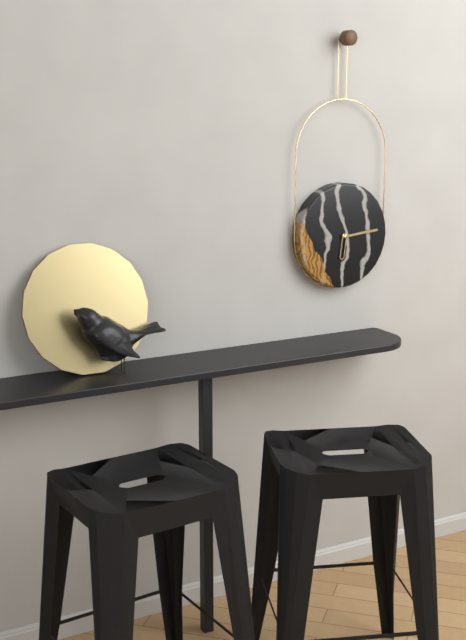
{"hour": 6, "minute": 14}
